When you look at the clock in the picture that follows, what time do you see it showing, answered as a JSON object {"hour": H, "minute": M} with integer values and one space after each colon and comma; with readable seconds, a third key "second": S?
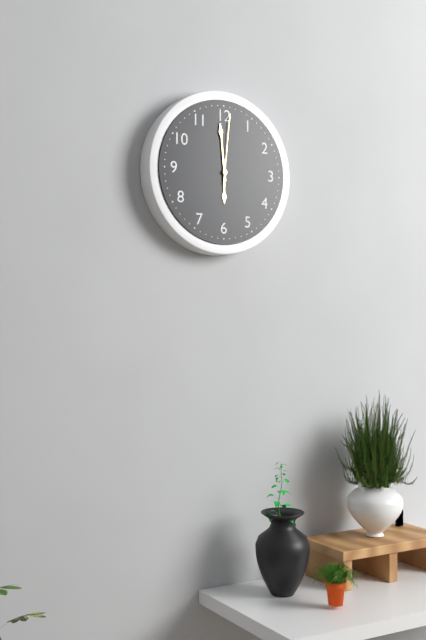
{"hour": 5, "minute": 59, "second": 1}
